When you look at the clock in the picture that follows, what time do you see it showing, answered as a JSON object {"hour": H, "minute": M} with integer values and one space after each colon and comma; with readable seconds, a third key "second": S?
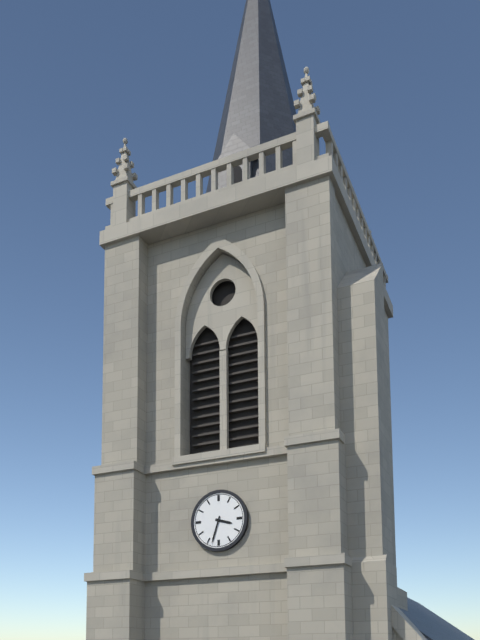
{"hour": 3, "minute": 33}
